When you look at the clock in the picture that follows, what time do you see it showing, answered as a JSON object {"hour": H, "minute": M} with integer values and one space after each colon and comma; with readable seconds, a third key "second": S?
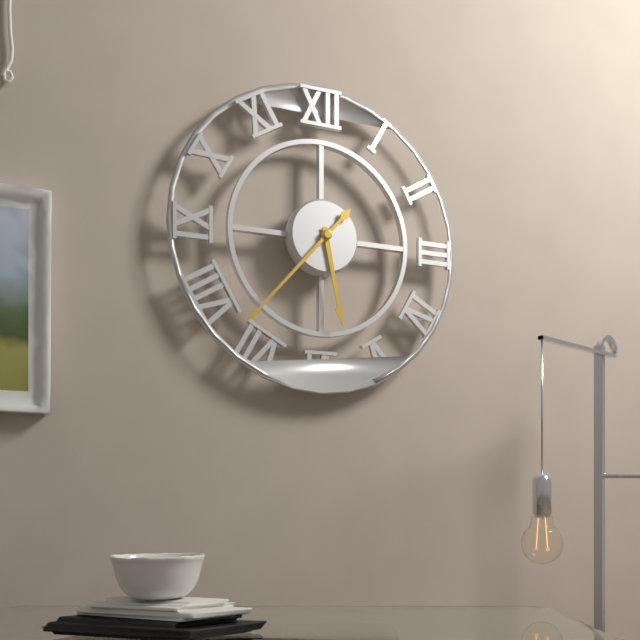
{"hour": 5, "minute": 37}
